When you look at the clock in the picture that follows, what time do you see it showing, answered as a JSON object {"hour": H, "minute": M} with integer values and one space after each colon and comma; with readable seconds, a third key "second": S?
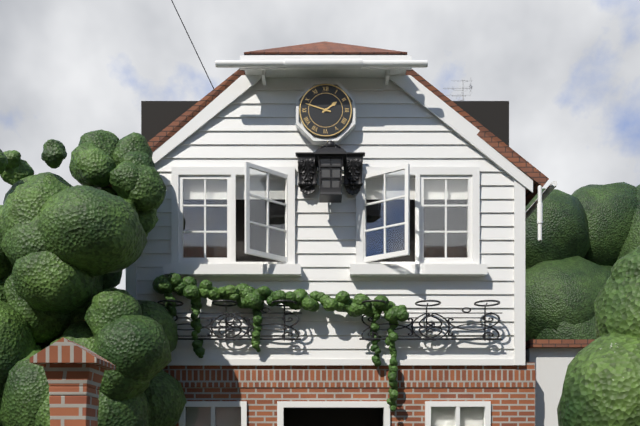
{"hour": 1, "minute": 48}
